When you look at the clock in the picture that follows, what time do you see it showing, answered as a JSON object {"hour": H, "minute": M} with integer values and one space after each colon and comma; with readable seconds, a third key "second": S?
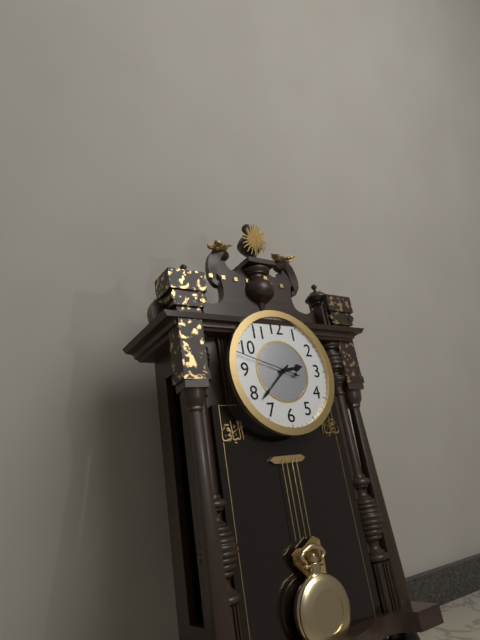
{"hour": 2, "minute": 38, "second": 48}
